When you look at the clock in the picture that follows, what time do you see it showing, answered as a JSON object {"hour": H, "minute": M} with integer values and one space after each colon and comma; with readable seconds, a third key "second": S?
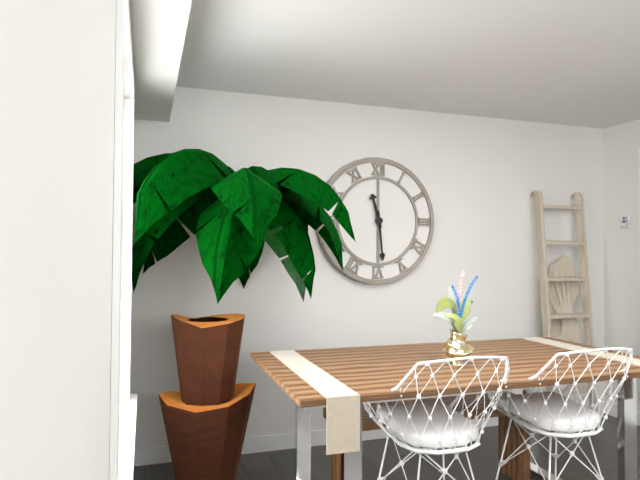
{"hour": 11, "minute": 29}
